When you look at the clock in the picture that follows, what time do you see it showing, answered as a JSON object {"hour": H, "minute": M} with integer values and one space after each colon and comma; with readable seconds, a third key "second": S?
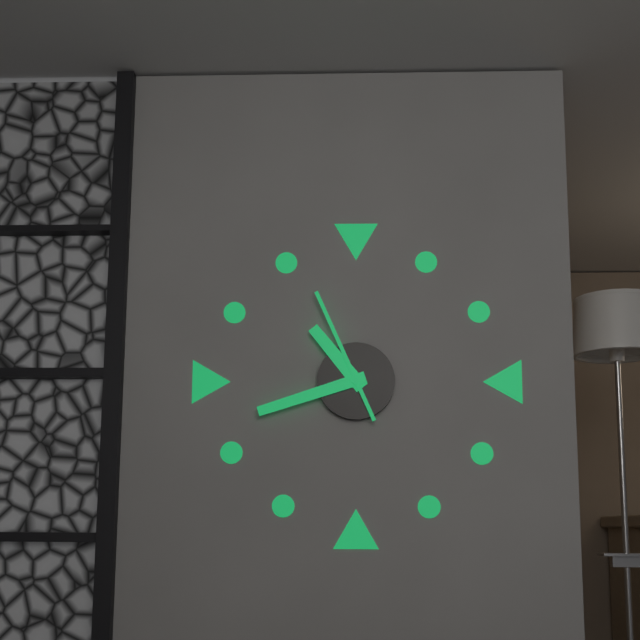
{"hour": 10, "minute": 42, "second": 56}
